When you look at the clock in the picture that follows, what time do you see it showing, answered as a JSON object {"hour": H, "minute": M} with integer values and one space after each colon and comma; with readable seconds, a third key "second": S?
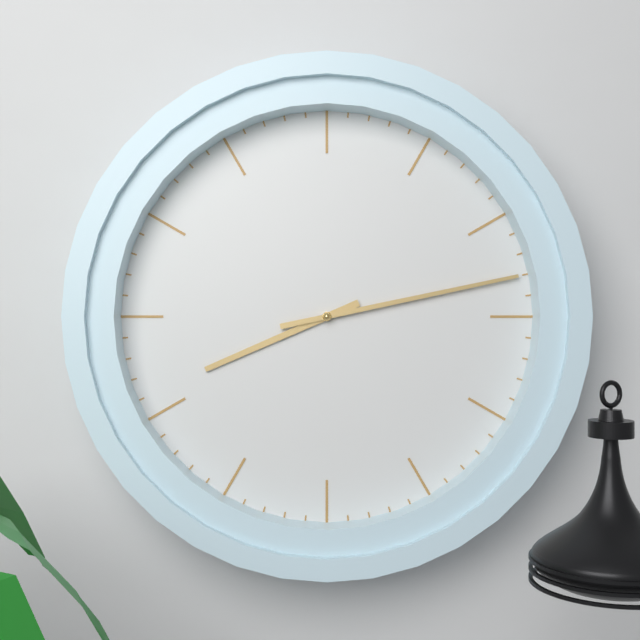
{"hour": 8, "minute": 13}
